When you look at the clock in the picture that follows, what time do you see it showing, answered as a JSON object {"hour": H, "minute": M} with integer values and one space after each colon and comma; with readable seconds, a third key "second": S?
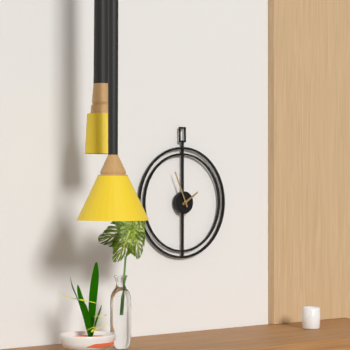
{"hour": 1, "minute": 56}
